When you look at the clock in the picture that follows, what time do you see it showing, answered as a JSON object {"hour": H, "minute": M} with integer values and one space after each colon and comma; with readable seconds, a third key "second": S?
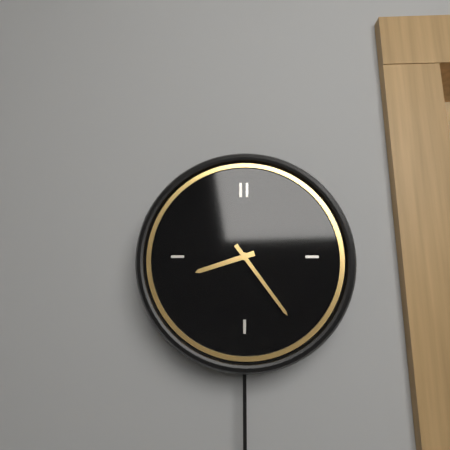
{"hour": 8, "minute": 24}
